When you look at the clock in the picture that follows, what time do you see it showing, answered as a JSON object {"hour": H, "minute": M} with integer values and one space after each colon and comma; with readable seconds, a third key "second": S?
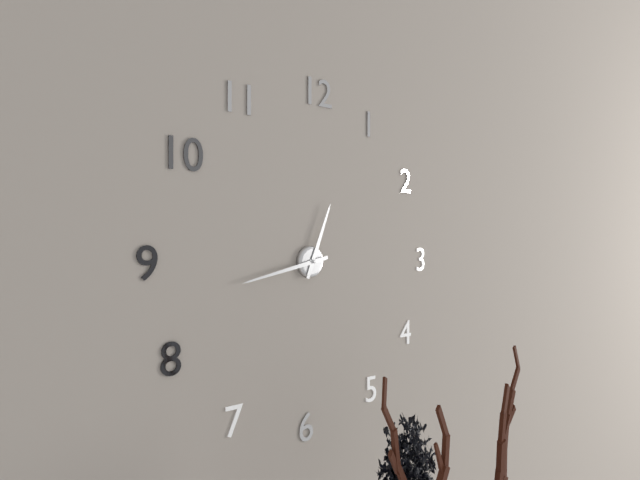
{"hour": 12, "minute": 43}
